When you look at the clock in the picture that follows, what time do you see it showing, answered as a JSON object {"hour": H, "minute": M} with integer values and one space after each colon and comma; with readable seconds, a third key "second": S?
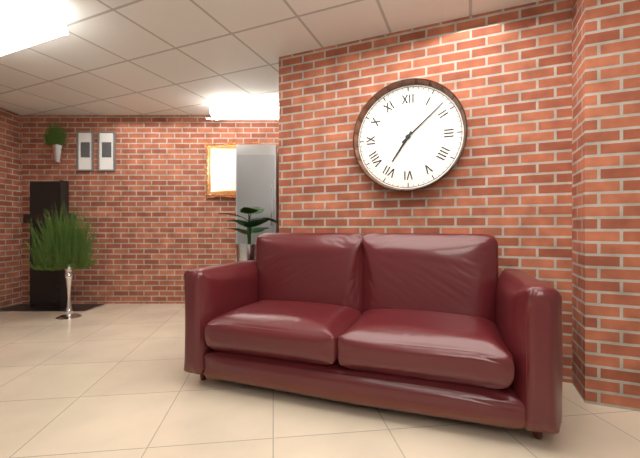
{"hour": 7, "minute": 8}
